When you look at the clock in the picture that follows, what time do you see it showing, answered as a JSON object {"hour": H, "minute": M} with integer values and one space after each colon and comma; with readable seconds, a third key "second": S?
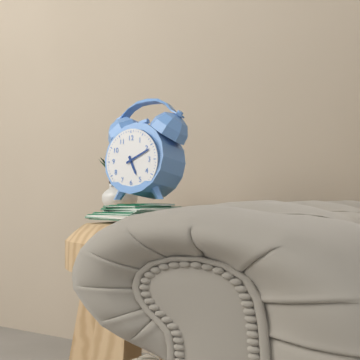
{"hour": 5, "minute": 11}
